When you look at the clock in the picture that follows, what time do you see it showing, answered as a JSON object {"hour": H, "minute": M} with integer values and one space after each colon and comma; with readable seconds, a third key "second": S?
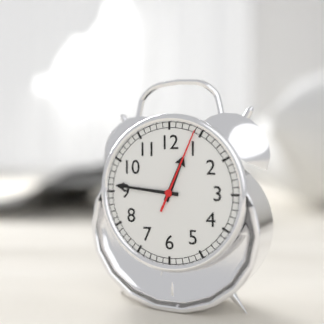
{"hour": 12, "minute": 46, "second": 4}
